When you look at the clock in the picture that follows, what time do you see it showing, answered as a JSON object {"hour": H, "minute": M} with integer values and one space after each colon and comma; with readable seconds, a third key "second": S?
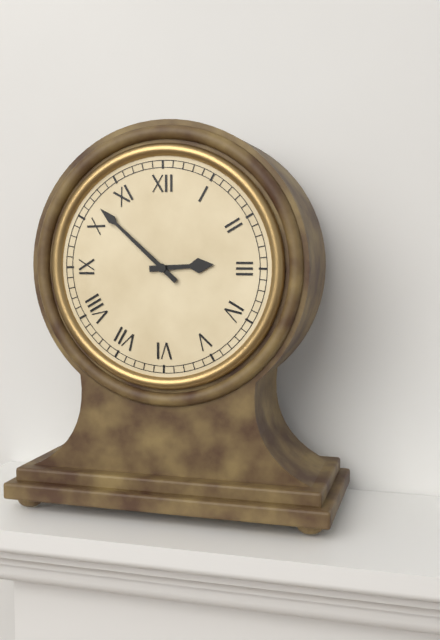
{"hour": 2, "minute": 52}
